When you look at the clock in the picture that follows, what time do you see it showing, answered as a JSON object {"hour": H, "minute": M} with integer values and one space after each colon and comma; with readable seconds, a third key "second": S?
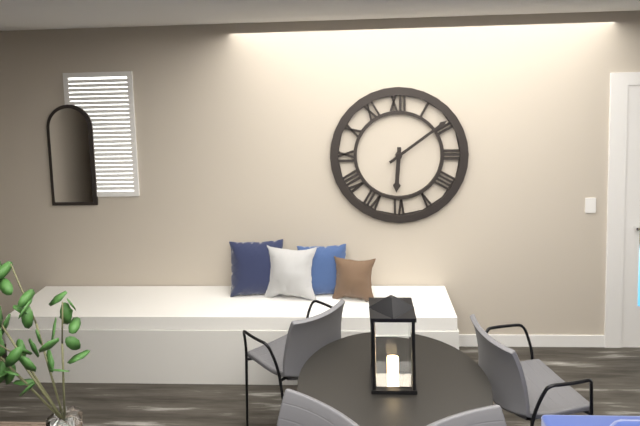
{"hour": 6, "minute": 9}
